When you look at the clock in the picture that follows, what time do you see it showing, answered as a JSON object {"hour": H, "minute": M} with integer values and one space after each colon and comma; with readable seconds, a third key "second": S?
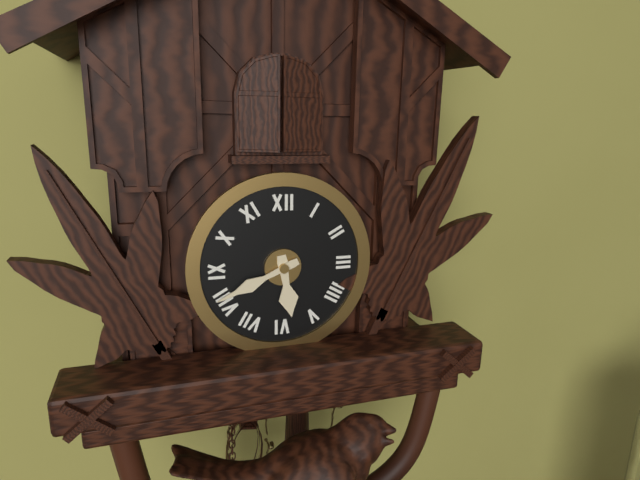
{"hour": 5, "minute": 41}
